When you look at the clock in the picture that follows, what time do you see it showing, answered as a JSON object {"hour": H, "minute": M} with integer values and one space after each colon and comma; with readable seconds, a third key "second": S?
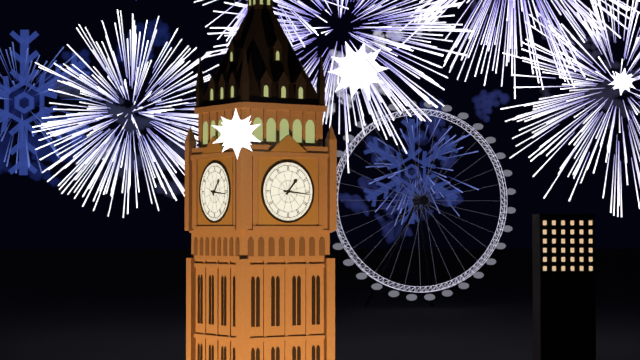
{"hour": 1, "minute": 16}
